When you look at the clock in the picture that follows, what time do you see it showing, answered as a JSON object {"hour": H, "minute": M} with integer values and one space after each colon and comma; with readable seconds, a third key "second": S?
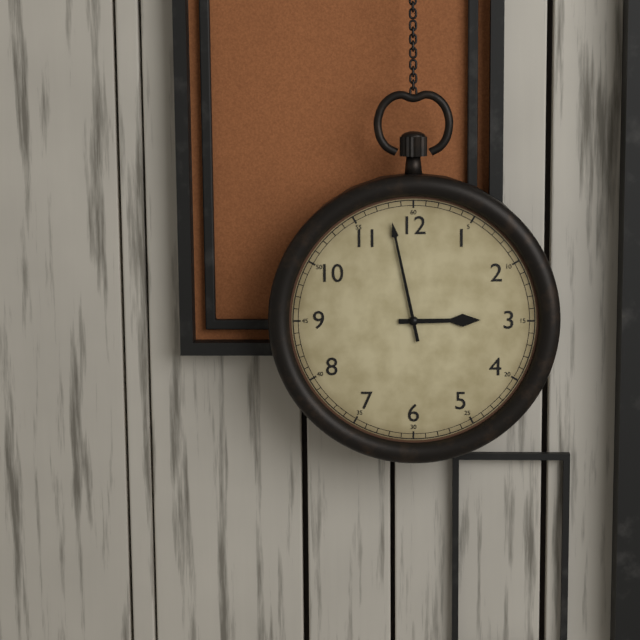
{"hour": 2, "minute": 58}
